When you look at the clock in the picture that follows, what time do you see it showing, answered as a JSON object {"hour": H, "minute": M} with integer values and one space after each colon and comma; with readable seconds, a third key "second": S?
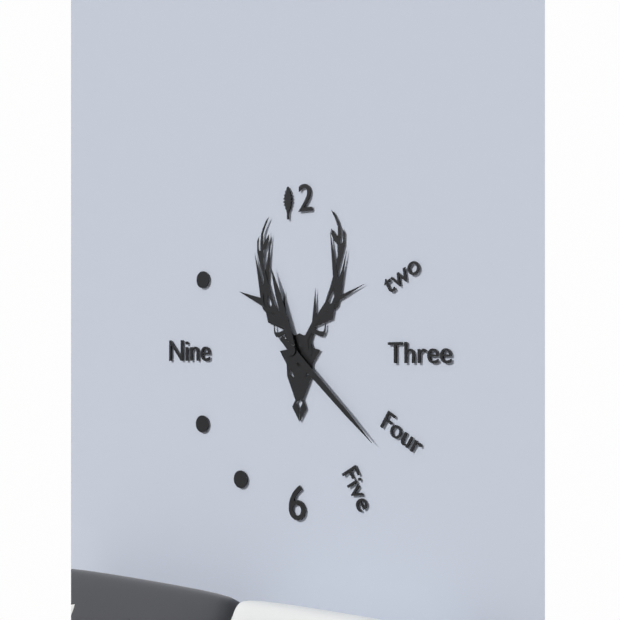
{"hour": 11, "minute": 22}
